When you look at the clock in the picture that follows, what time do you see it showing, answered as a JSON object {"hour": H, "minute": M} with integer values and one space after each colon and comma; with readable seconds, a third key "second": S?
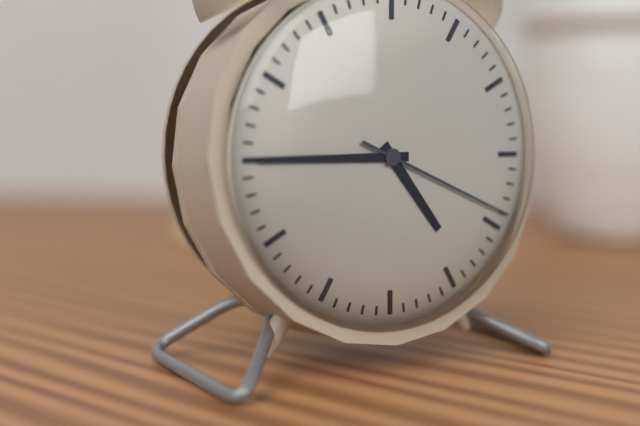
{"hour": 4, "minute": 45, "second": 19}
